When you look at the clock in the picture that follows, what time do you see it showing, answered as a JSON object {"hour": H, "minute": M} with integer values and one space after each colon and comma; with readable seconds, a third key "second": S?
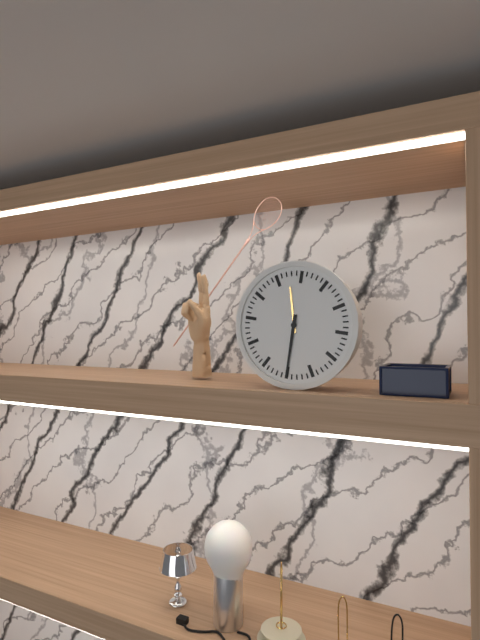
{"hour": 11, "minute": 30}
